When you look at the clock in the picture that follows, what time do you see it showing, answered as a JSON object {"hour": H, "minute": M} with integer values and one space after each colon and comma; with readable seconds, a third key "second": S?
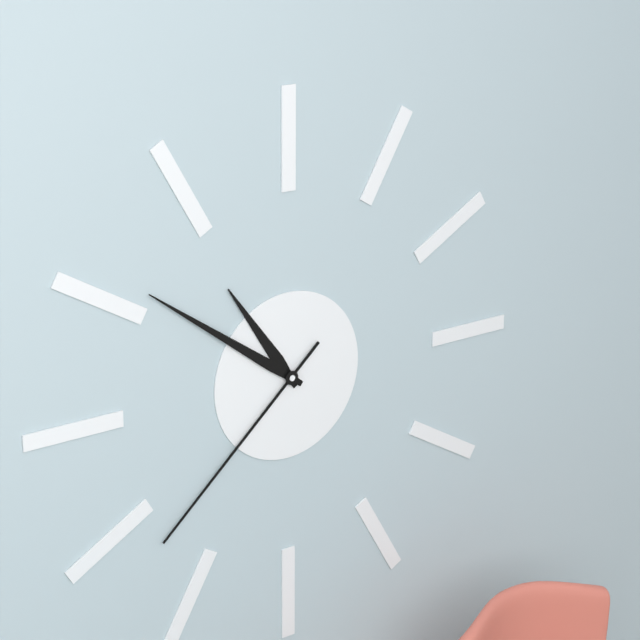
{"hour": 10, "minute": 51, "second": 38}
